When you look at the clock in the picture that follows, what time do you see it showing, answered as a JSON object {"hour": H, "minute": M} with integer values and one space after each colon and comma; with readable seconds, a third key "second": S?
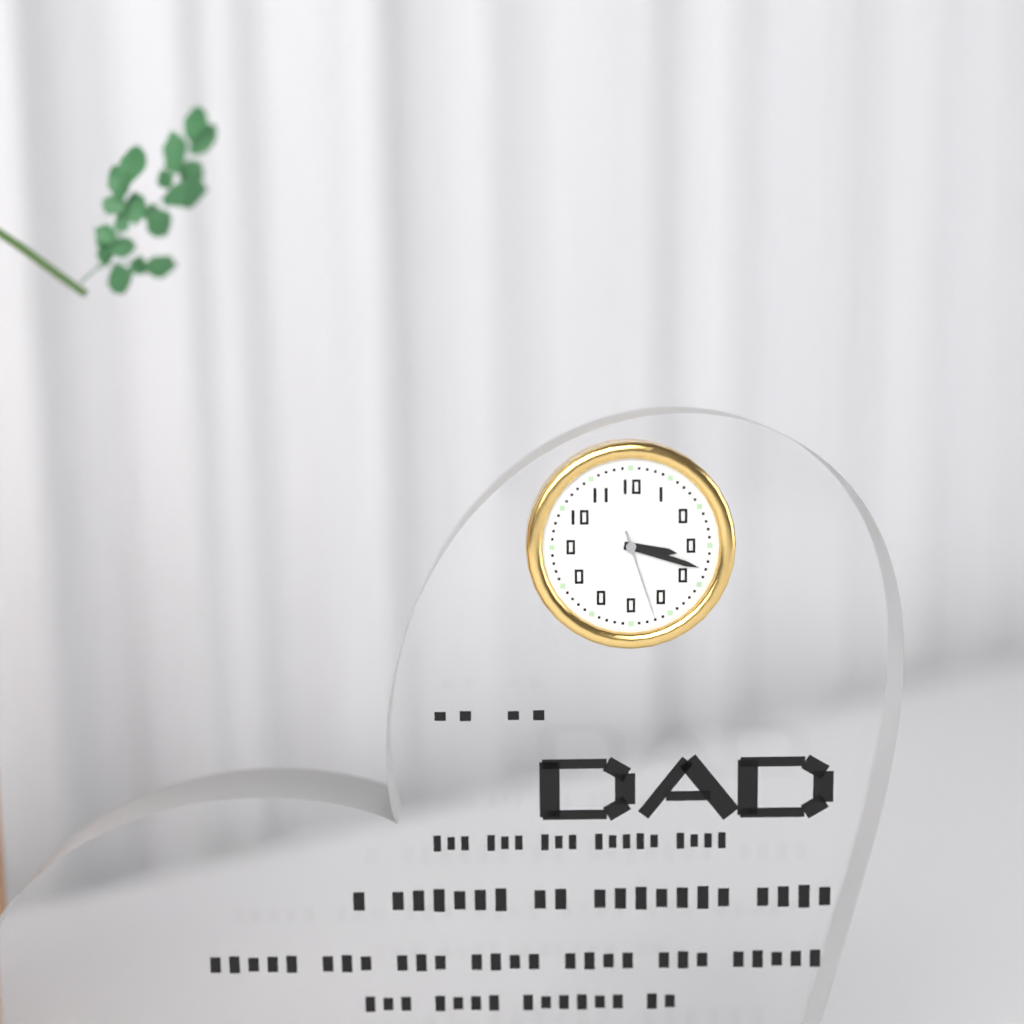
{"hour": 3, "minute": 18, "second": 27}
